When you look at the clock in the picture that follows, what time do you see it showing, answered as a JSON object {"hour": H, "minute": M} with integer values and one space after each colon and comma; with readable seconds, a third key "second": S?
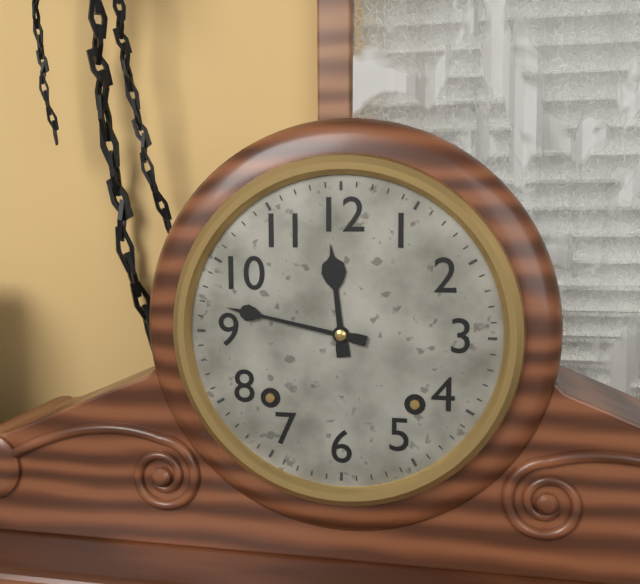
{"hour": 11, "minute": 47}
